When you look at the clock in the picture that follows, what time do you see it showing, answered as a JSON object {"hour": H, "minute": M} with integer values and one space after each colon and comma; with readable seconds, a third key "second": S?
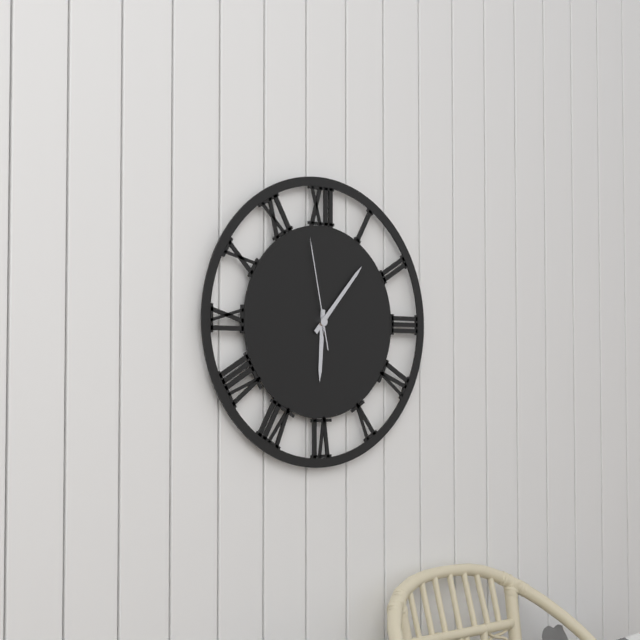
{"hour": 6, "minute": 7, "second": 58}
